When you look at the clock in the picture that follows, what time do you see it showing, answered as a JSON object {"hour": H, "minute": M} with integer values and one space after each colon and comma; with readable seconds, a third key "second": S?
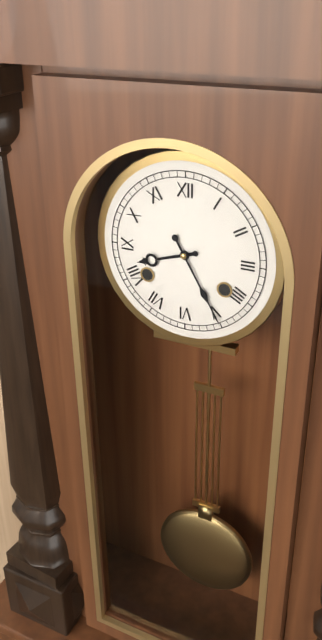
{"hour": 8, "minute": 25}
